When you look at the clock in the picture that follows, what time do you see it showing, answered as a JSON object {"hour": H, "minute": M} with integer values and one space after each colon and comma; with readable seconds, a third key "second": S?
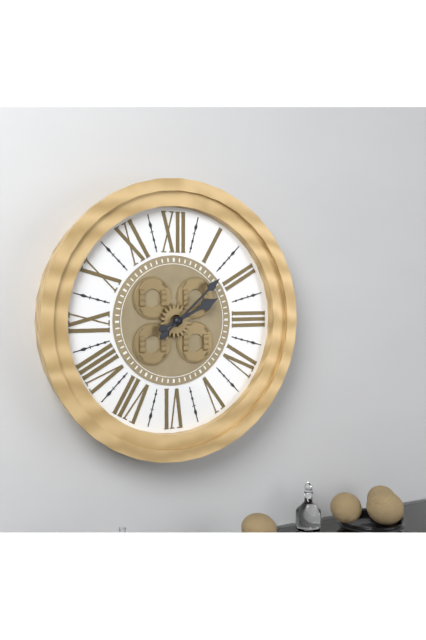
{"hour": 2, "minute": 8}
